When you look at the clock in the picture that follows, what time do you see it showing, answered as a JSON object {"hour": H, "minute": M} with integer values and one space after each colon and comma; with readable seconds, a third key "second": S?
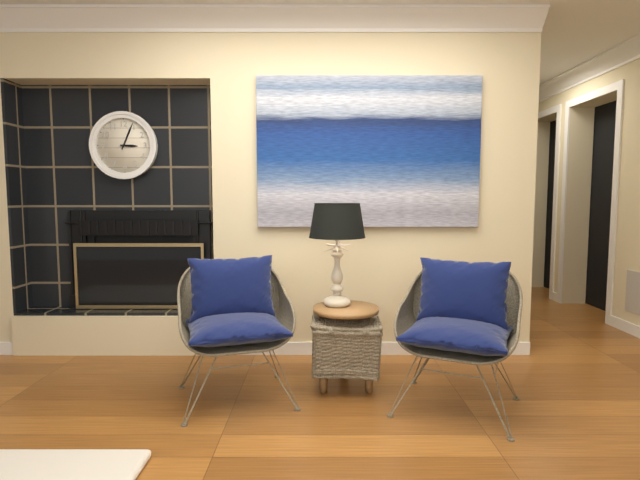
{"hour": 3, "minute": 4}
